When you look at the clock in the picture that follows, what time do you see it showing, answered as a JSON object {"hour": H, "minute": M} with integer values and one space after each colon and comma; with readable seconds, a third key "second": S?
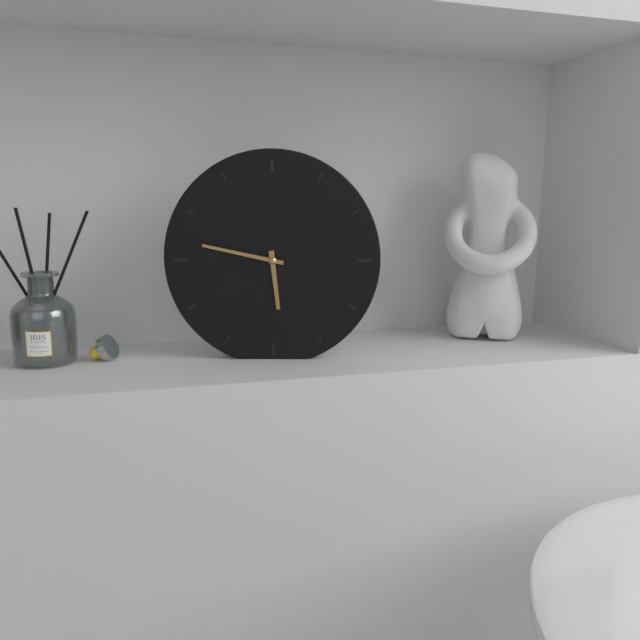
{"hour": 5, "minute": 47}
